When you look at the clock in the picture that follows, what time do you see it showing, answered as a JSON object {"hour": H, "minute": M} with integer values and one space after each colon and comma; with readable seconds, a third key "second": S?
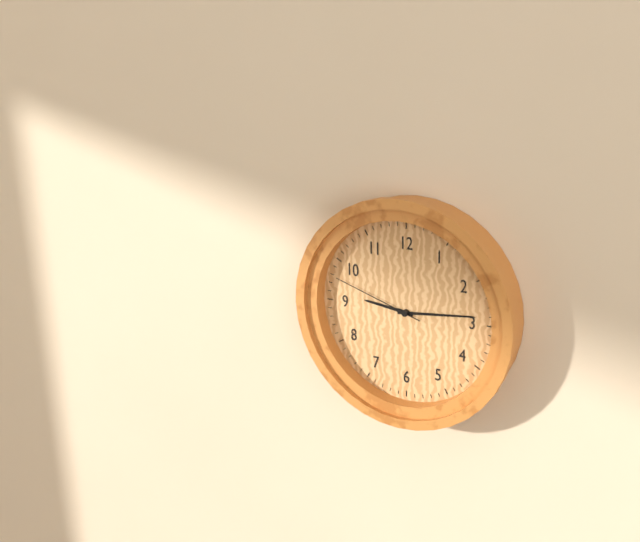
{"hour": 9, "minute": 14, "second": 48}
